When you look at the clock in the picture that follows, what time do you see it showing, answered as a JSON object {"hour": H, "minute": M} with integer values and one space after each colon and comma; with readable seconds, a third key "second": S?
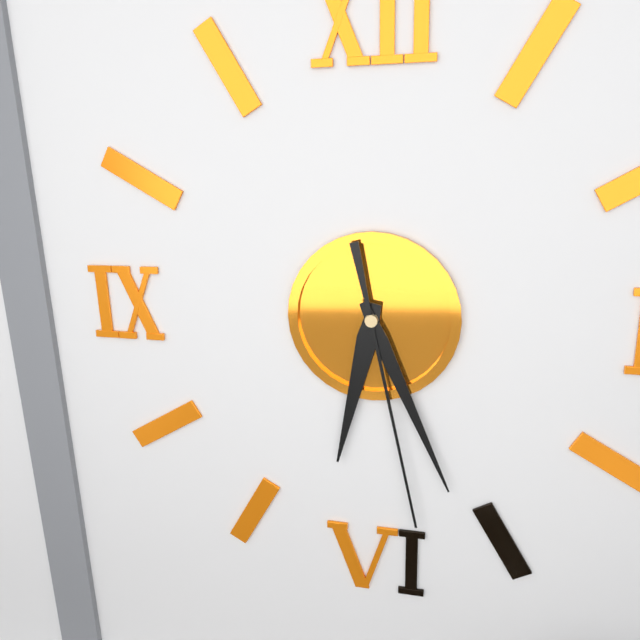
{"hour": 6, "minute": 26, "second": 28}
